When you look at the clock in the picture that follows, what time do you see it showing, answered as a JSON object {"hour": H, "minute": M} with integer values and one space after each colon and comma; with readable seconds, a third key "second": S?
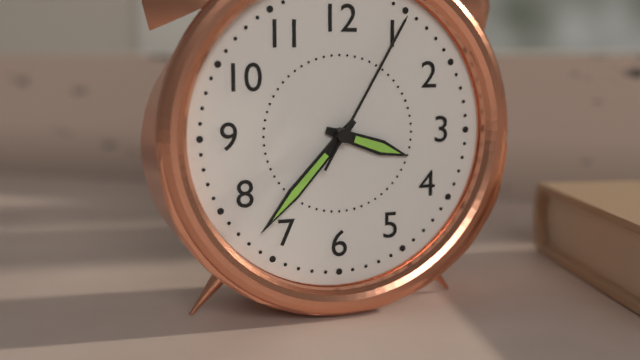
{"hour": 3, "minute": 37, "second": 5}
